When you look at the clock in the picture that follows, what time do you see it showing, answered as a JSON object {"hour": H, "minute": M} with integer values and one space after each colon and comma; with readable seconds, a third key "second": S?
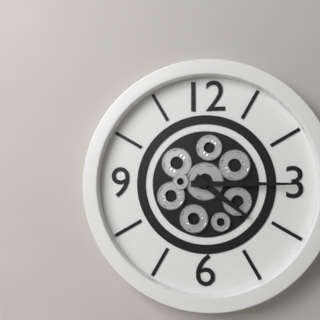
{"hour": 4, "minute": 15}
